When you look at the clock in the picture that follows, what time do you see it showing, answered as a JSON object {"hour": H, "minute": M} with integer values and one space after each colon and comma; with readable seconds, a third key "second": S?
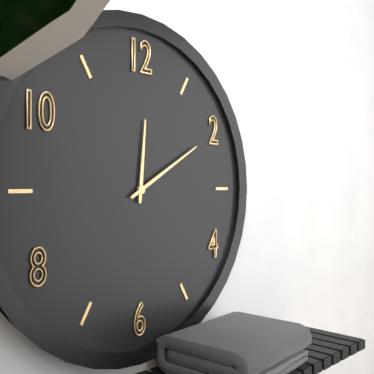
{"hour": 12, "minute": 10}
